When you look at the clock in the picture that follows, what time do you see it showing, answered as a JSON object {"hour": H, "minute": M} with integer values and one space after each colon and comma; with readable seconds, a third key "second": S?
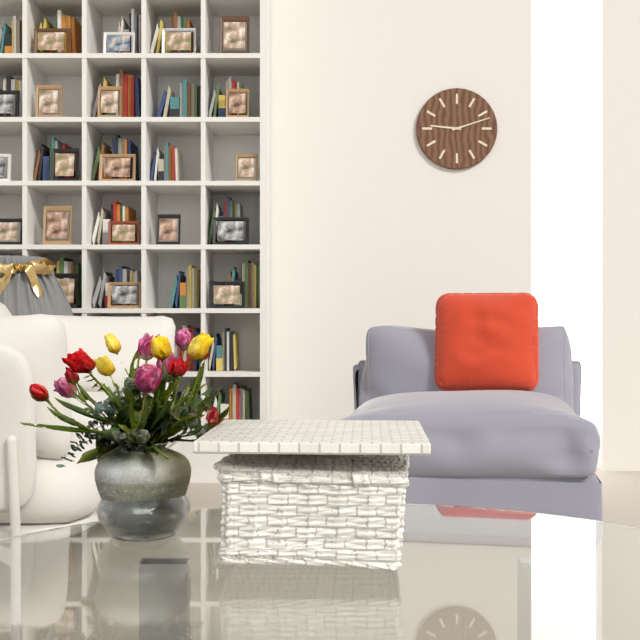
{"hour": 9, "minute": 12}
